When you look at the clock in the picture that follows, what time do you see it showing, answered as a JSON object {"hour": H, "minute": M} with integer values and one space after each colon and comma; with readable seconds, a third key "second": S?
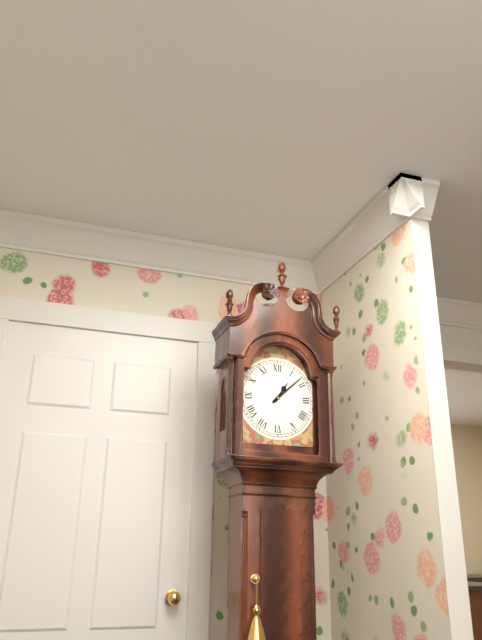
{"hour": 1, "minute": 8}
